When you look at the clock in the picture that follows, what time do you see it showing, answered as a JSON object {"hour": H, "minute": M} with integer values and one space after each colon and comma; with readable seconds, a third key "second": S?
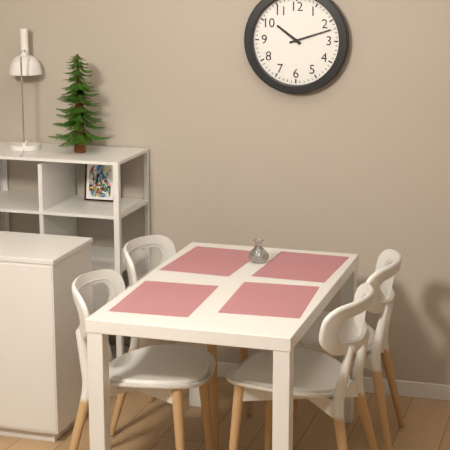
{"hour": 10, "minute": 12}
